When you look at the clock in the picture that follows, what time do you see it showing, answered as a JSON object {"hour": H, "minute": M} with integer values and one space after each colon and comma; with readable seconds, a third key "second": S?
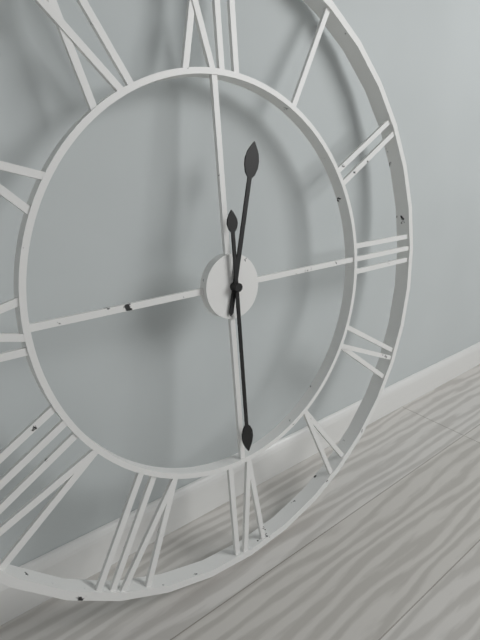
{"hour": 12, "minute": 30}
